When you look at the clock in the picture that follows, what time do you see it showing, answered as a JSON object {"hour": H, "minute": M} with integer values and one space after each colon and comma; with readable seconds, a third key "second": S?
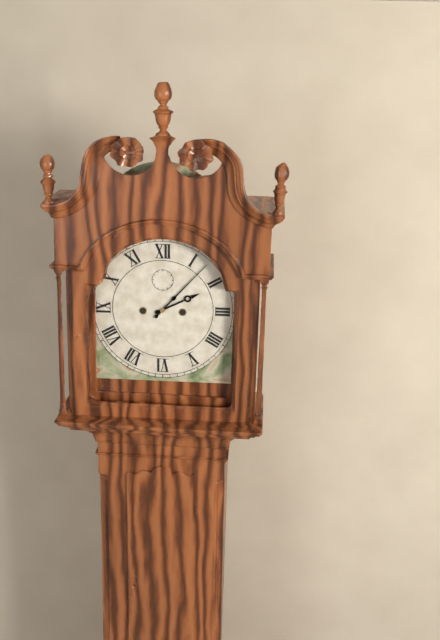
{"hour": 2, "minute": 7}
